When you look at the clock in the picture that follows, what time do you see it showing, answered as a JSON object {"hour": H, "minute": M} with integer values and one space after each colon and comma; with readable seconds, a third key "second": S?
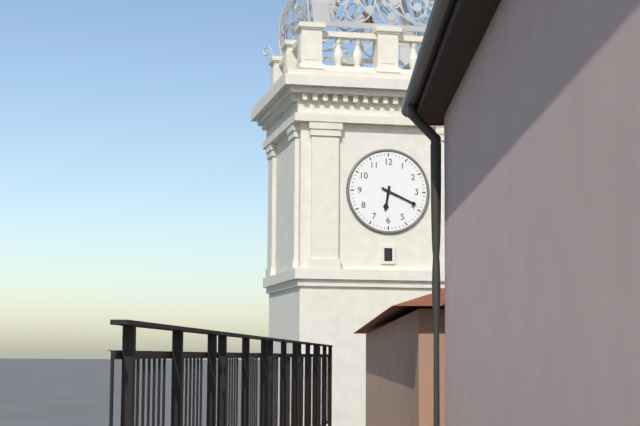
{"hour": 6, "minute": 19}
